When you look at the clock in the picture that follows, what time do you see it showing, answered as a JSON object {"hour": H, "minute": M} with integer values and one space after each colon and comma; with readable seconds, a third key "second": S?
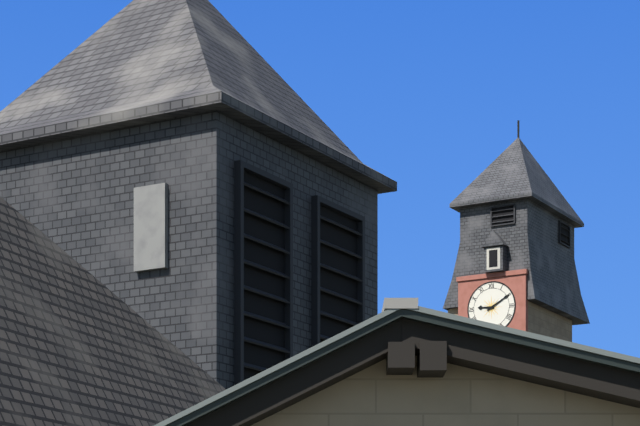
{"hour": 9, "minute": 10}
